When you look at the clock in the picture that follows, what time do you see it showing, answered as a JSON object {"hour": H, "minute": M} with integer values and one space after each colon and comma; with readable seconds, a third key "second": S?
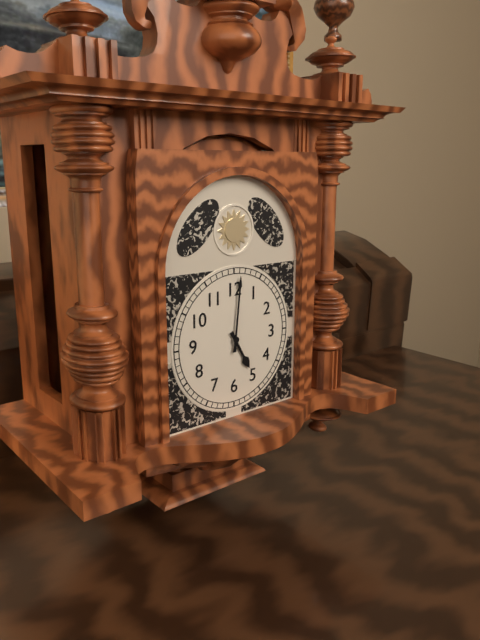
{"hour": 5, "minute": 1}
